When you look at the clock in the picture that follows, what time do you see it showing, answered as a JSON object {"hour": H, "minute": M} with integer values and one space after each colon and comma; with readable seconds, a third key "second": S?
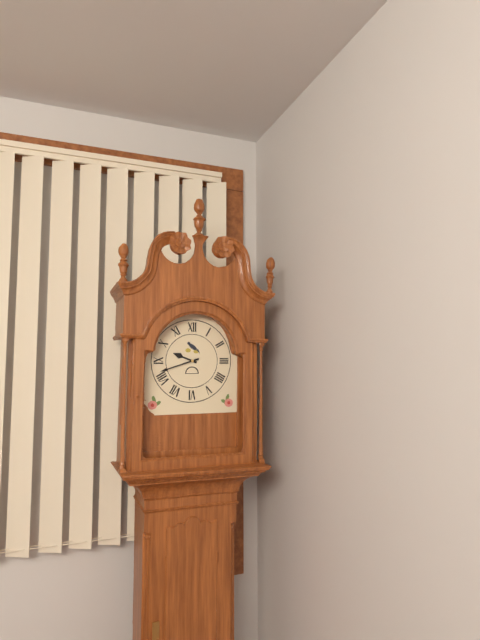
{"hour": 9, "minute": 42}
